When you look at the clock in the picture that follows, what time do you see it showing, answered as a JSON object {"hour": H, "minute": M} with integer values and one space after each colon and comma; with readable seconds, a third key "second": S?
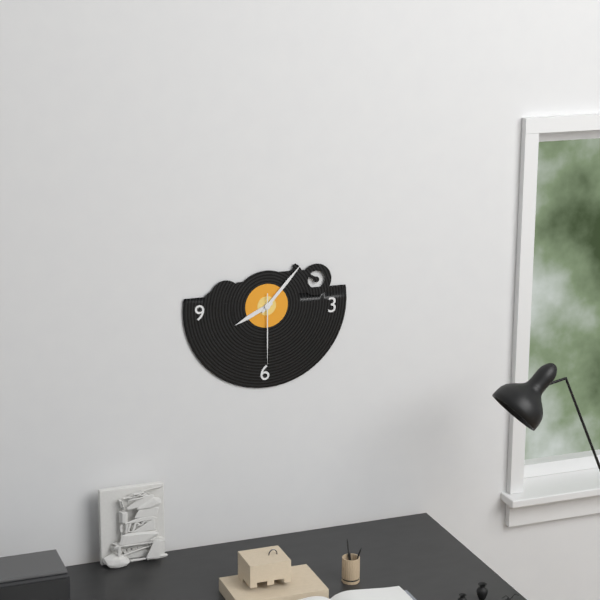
{"hour": 8, "minute": 7, "second": 30}
